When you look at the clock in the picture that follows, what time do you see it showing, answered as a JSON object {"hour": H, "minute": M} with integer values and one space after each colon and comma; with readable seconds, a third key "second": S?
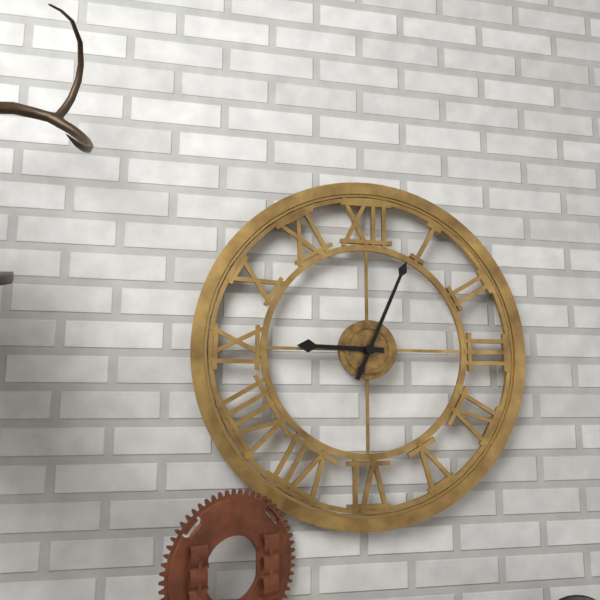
{"hour": 9, "minute": 4}
